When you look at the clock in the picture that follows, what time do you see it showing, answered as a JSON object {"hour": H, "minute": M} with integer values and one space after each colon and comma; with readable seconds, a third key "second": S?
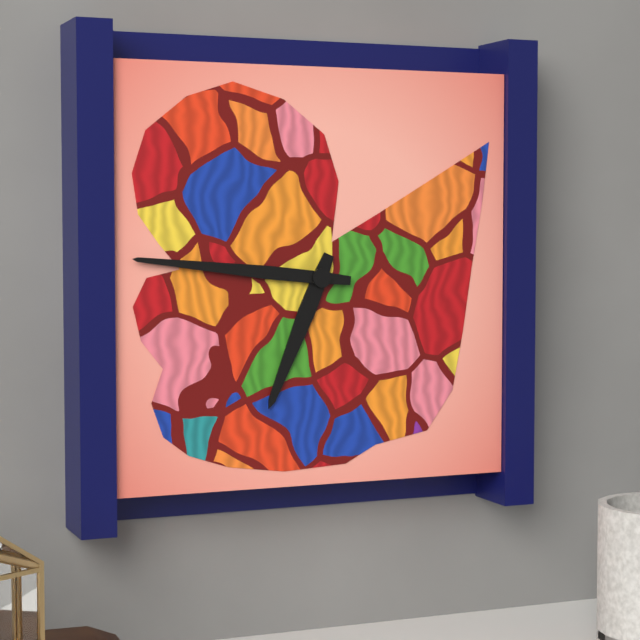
{"hour": 6, "minute": 46}
